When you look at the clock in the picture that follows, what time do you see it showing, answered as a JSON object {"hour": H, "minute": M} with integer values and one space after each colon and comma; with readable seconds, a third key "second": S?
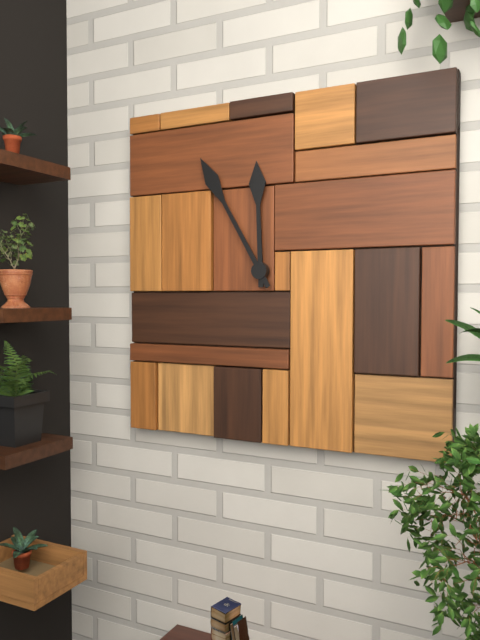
{"hour": 11, "minute": 55}
